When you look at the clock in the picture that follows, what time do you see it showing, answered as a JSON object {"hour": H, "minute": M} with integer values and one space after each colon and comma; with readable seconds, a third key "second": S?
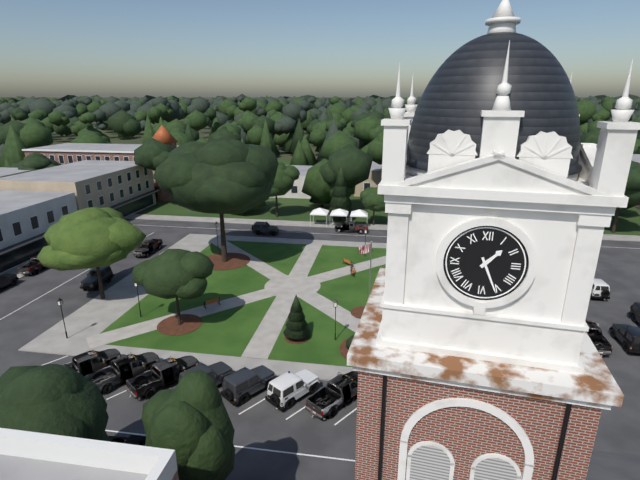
{"hour": 1, "minute": 26}
